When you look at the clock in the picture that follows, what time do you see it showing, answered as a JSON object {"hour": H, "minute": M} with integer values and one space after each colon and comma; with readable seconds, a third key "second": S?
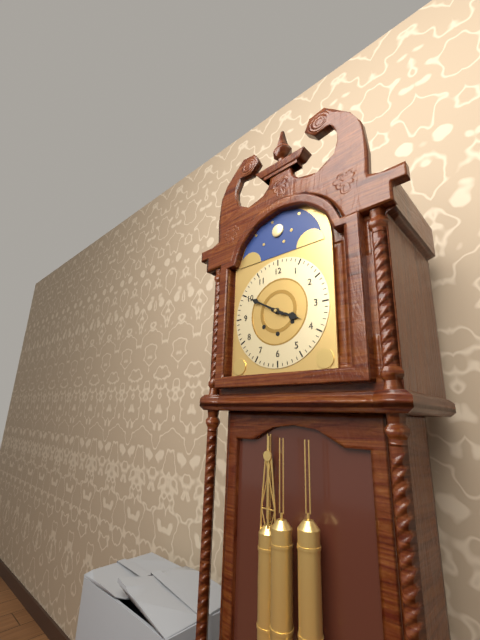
{"hour": 3, "minute": 50}
